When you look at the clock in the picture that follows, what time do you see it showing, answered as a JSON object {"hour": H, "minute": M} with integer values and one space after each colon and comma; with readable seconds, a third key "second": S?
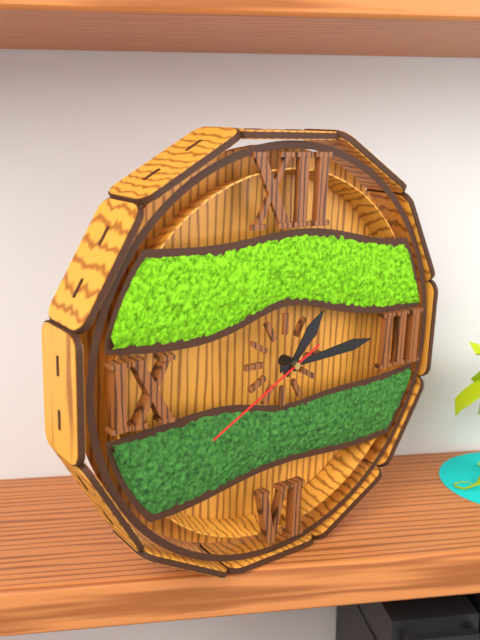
{"hour": 1, "minute": 14, "second": 40}
